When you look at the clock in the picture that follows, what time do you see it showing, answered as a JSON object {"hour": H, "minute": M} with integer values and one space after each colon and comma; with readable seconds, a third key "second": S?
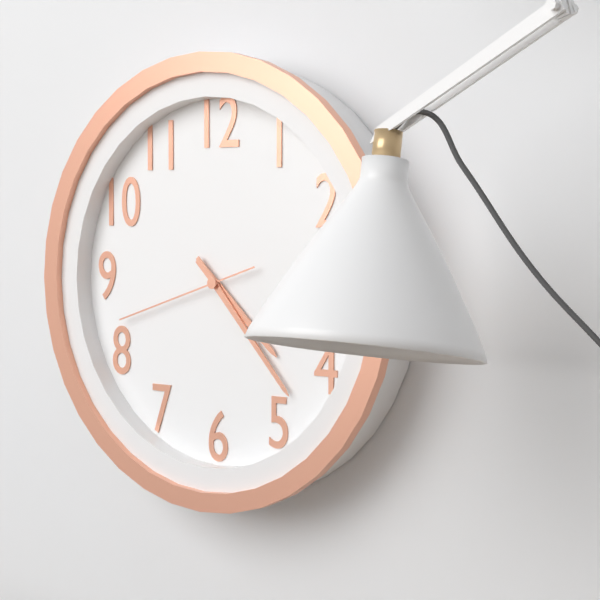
{"hour": 4, "minute": 23, "second": 42}
